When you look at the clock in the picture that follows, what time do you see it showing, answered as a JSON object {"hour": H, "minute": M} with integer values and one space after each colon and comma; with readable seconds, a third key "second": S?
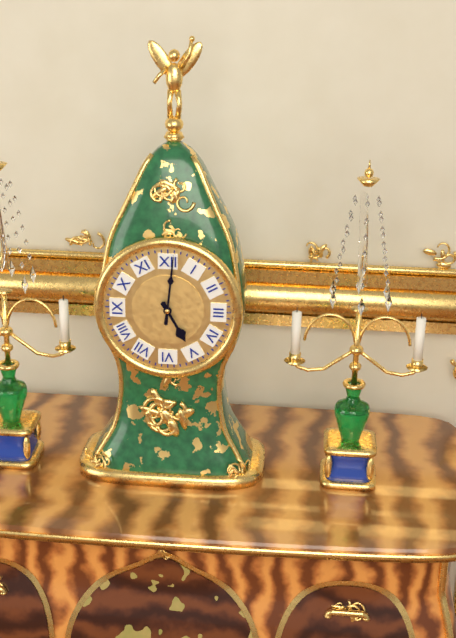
{"hour": 5, "minute": 1}
